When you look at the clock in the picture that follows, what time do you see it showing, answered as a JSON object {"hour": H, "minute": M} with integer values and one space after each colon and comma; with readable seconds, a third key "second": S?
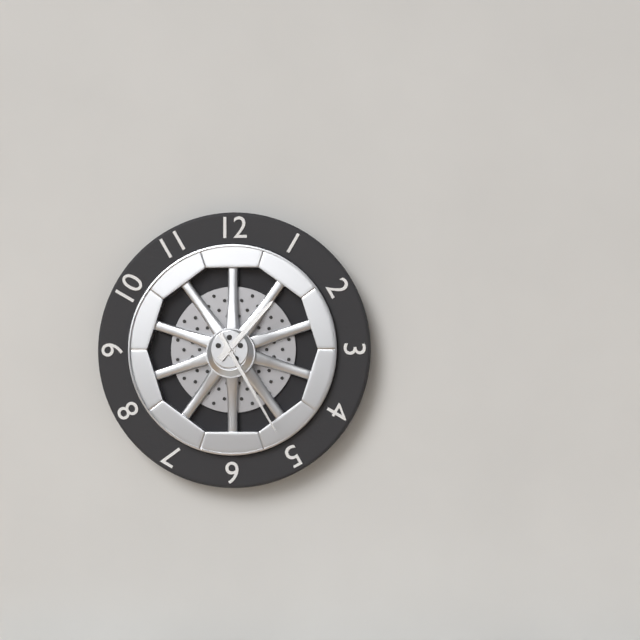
{"hour": 1, "minute": 25}
